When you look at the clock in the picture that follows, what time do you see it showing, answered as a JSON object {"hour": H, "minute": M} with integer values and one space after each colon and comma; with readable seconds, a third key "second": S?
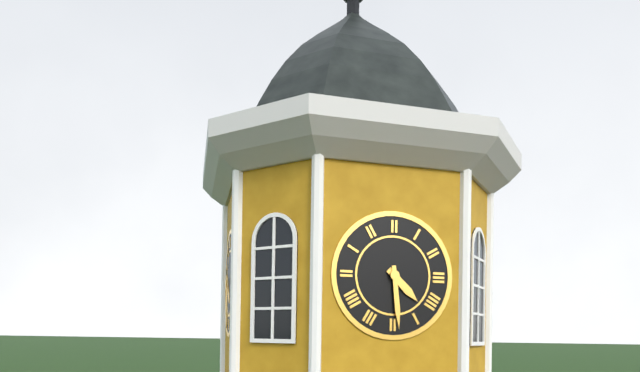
{"hour": 4, "minute": 29}
